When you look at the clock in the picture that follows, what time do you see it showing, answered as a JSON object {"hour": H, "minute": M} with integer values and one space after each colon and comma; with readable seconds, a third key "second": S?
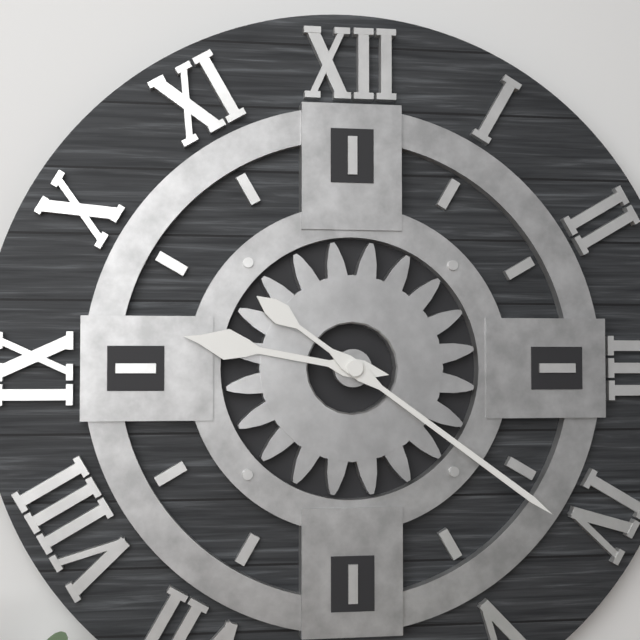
{"hour": 9, "minute": 21}
